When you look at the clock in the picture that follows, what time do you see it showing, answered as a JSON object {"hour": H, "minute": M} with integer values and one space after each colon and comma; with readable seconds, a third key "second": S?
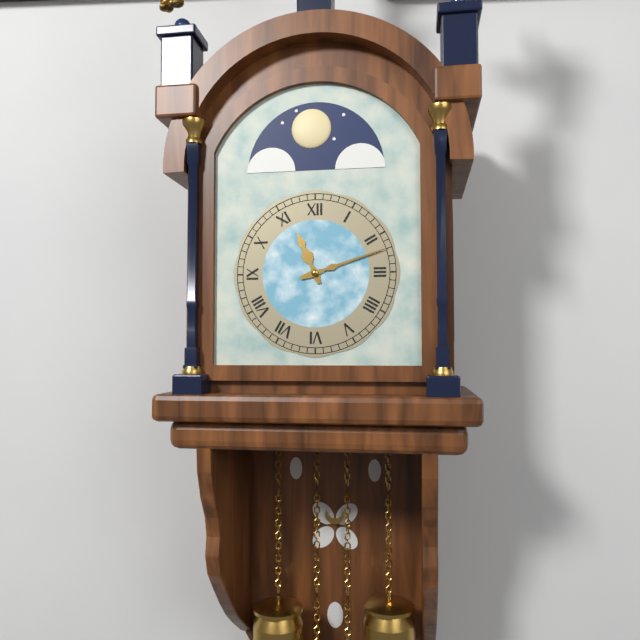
{"hour": 11, "minute": 12}
